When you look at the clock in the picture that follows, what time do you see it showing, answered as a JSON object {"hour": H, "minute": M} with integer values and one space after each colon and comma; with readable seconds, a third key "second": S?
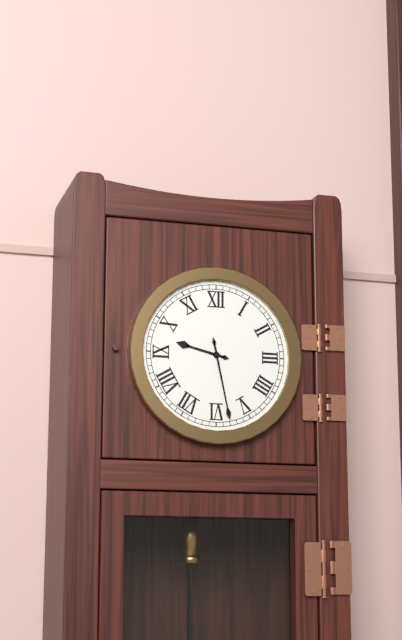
{"hour": 9, "minute": 28}
